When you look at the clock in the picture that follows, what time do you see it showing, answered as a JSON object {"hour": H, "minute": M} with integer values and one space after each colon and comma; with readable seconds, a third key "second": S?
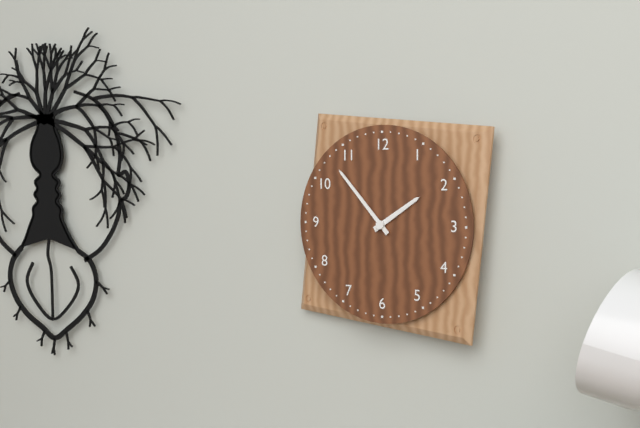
{"hour": 1, "minute": 53}
